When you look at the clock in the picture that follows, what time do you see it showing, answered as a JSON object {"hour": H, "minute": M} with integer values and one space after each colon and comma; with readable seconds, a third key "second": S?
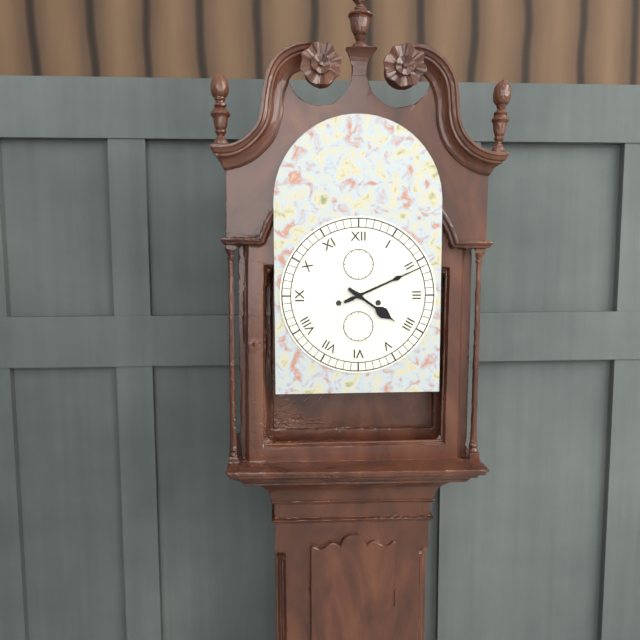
{"hour": 4, "minute": 11}
